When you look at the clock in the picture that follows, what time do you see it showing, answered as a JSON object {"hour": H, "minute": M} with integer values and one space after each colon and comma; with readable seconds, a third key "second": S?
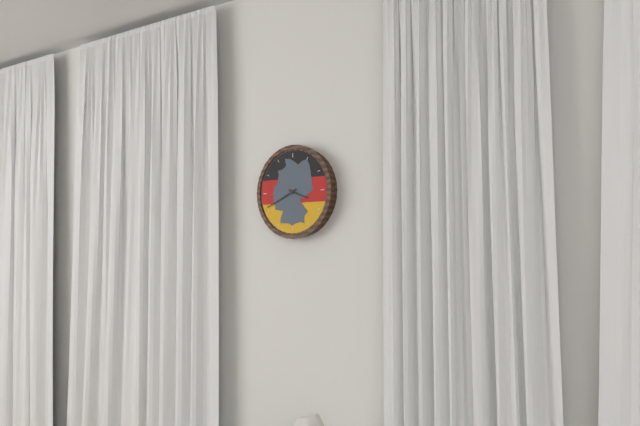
{"hour": 3, "minute": 41}
